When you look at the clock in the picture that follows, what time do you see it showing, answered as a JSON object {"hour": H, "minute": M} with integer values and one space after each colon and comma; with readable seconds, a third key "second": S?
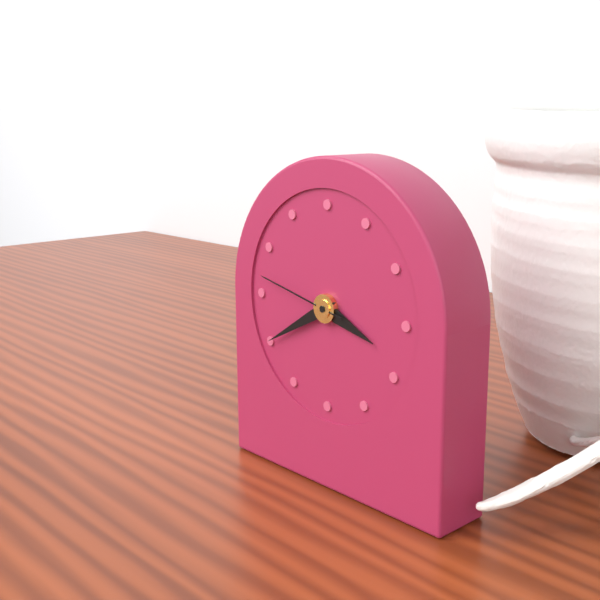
{"hour": 3, "minute": 40, "second": 47}
